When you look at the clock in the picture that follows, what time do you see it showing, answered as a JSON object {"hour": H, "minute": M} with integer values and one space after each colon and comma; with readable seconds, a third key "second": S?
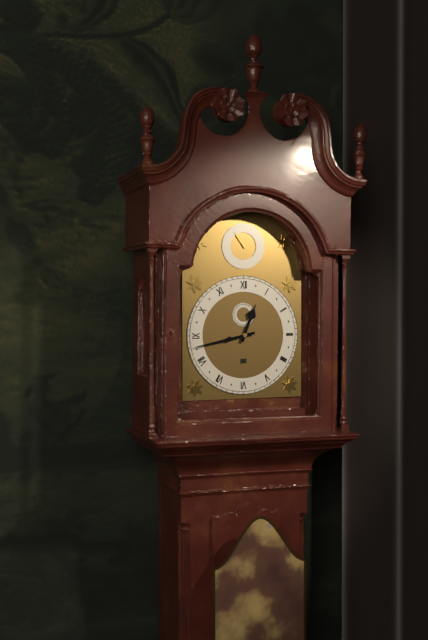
{"hour": 12, "minute": 43}
